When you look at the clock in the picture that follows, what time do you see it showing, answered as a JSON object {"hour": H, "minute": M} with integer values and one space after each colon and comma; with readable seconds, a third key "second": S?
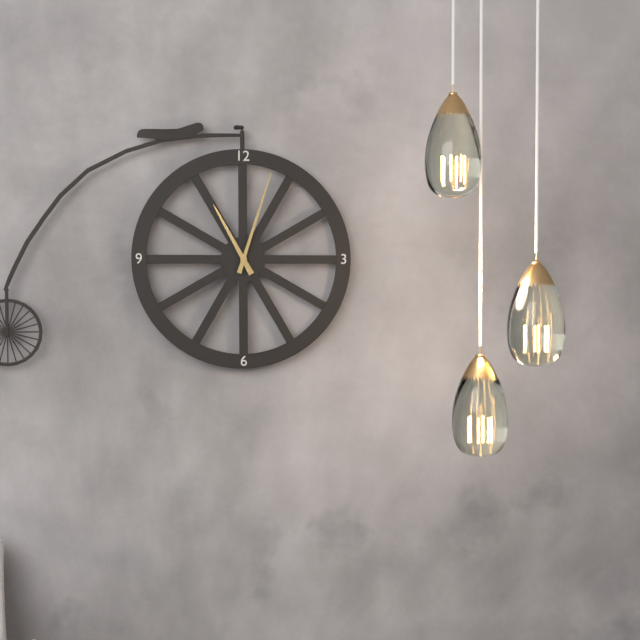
{"hour": 11, "minute": 3}
